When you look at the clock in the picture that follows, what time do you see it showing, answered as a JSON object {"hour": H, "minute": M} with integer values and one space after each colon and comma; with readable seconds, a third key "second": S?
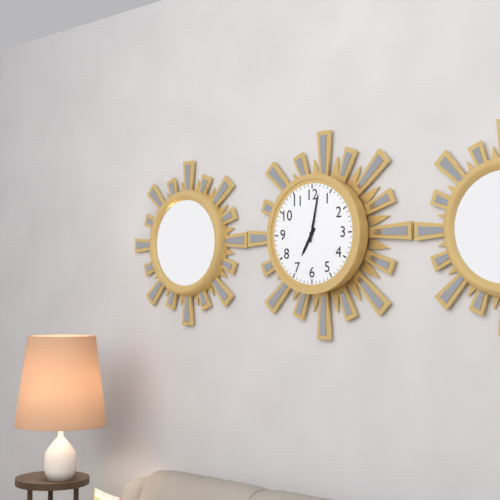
{"hour": 7, "minute": 2}
